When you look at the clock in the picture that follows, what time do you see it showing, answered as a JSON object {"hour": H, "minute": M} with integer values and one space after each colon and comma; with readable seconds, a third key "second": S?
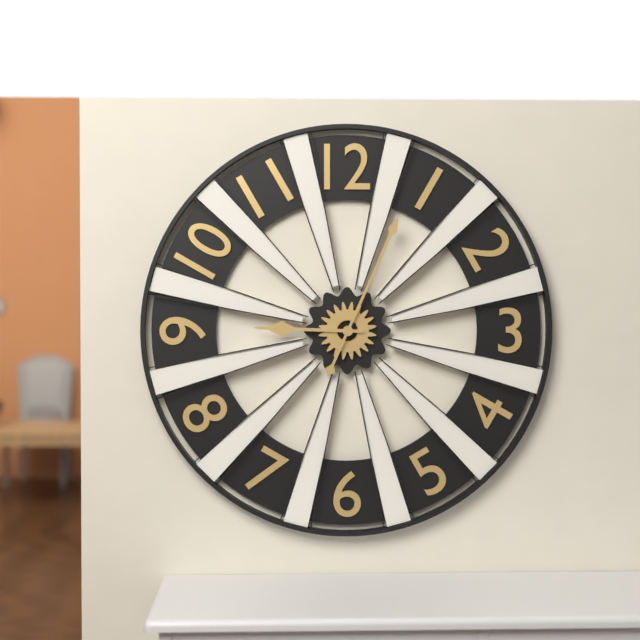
{"hour": 9, "minute": 4}
